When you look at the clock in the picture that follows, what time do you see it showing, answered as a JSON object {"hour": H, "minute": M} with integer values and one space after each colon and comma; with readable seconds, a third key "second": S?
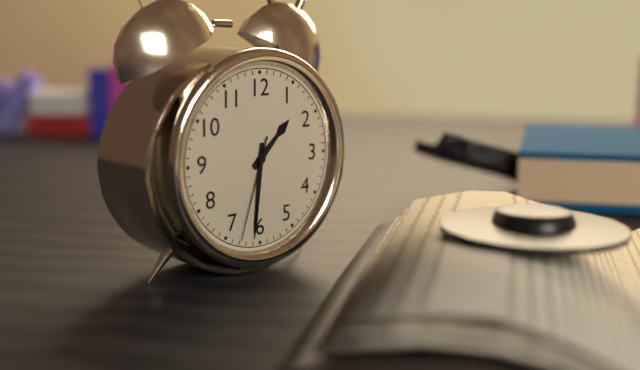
{"hour": 1, "minute": 31, "second": 33}
